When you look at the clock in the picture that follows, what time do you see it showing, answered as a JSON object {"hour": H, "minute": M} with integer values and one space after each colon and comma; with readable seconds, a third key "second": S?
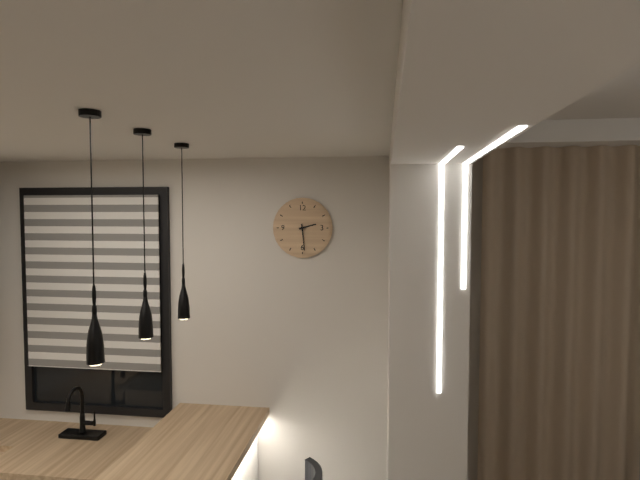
{"hour": 2, "minute": 29}
